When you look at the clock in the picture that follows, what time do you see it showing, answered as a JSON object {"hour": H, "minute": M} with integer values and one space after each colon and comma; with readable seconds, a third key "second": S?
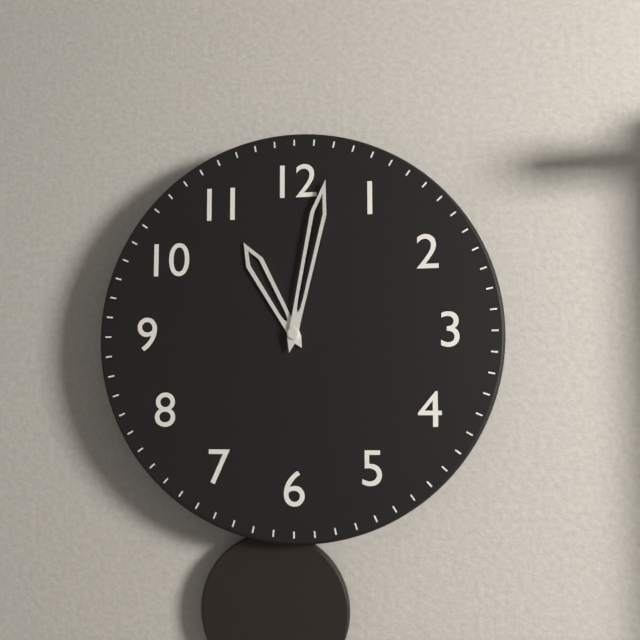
{"hour": 11, "minute": 2}
